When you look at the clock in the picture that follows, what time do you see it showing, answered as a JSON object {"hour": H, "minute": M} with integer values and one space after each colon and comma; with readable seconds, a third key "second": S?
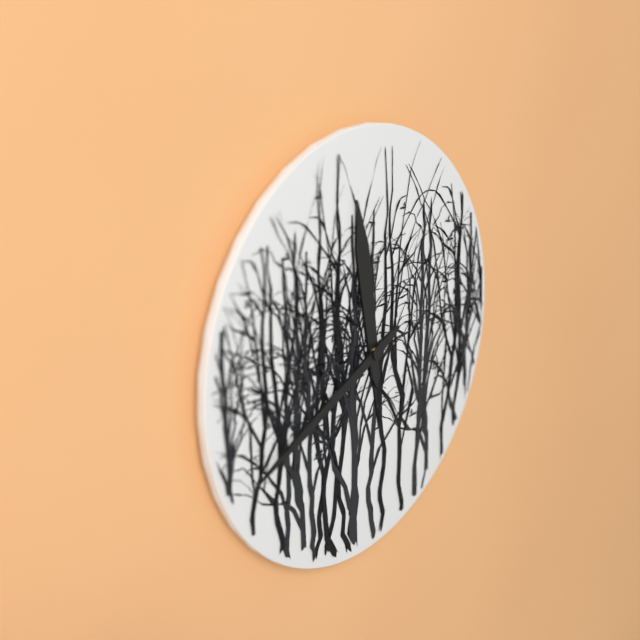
{"hour": 11, "minute": 41}
